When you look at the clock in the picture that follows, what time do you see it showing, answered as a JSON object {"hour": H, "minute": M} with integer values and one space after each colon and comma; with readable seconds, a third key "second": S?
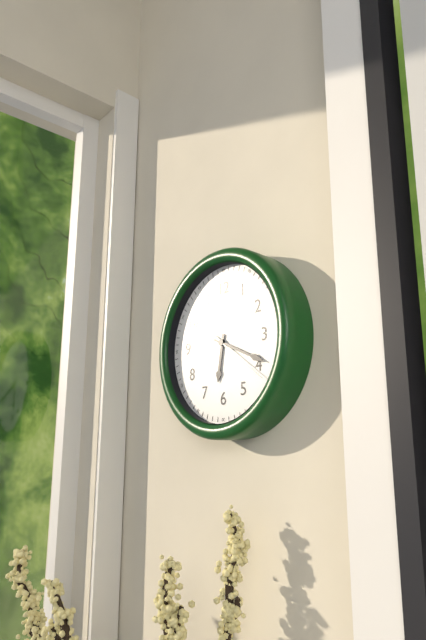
{"hour": 6, "minute": 19, "second": 21}
